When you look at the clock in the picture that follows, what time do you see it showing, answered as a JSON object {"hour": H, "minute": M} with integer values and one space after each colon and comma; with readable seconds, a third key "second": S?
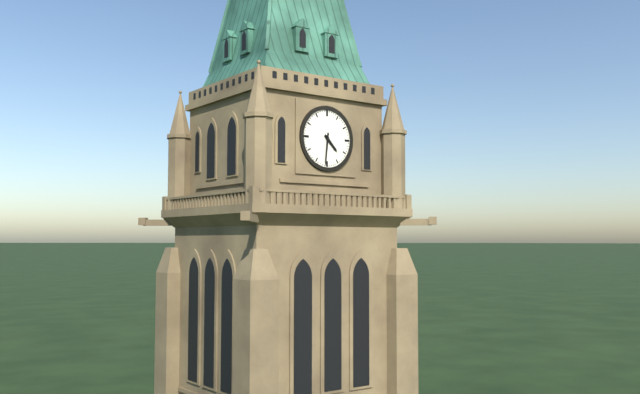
{"hour": 4, "minute": 31}
